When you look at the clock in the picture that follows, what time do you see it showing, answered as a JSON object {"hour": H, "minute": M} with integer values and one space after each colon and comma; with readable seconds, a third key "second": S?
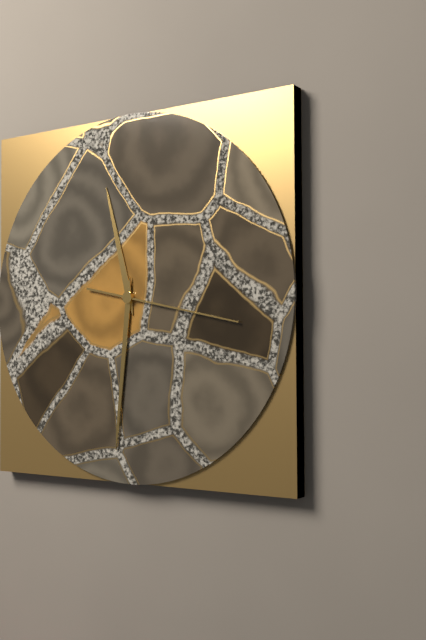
{"hour": 11, "minute": 31, "second": 17}
